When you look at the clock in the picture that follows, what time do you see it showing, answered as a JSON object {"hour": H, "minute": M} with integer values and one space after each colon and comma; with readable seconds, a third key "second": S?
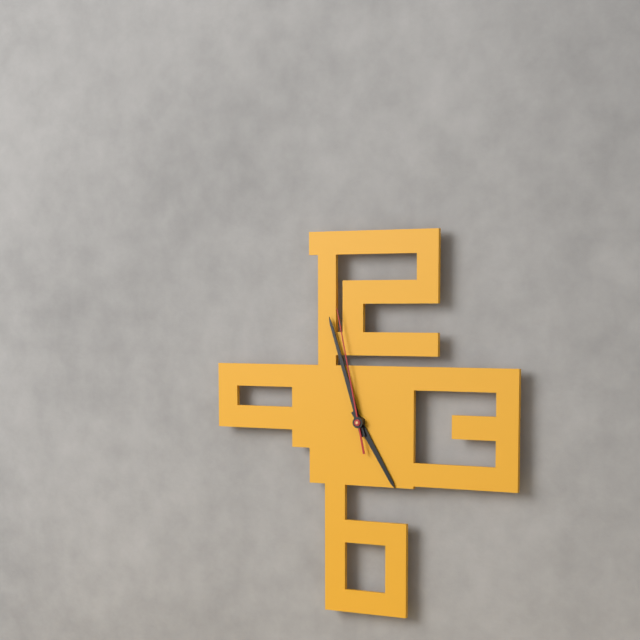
{"hour": 4, "minute": 57, "second": 58}
